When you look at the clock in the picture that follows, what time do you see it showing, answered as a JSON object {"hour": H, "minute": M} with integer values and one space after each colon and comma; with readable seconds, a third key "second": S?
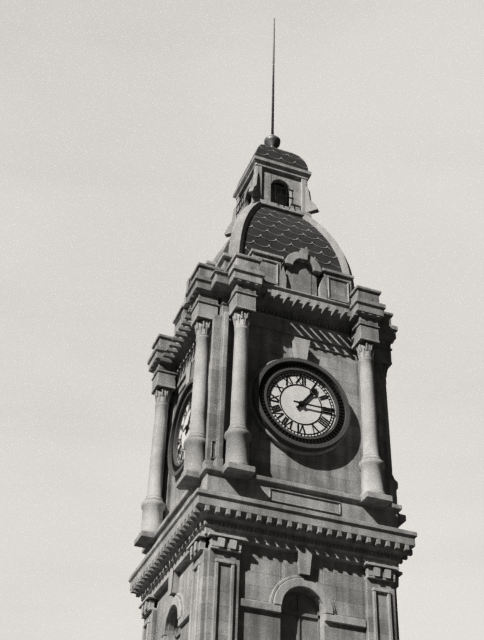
{"hour": 1, "minute": 15}
